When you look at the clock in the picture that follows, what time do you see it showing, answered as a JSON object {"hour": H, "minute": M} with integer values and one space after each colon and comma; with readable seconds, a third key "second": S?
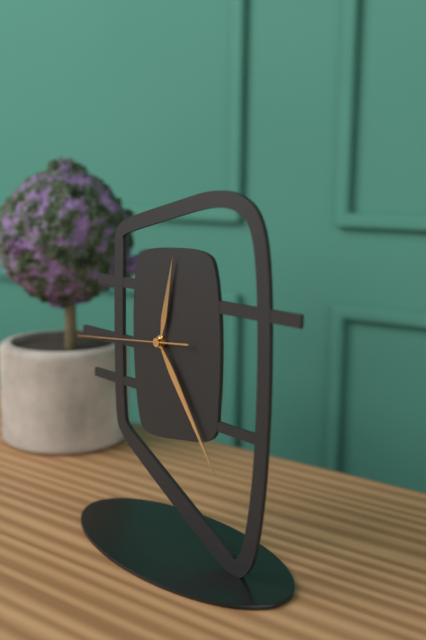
{"hour": 12, "minute": 24, "second": 44}
